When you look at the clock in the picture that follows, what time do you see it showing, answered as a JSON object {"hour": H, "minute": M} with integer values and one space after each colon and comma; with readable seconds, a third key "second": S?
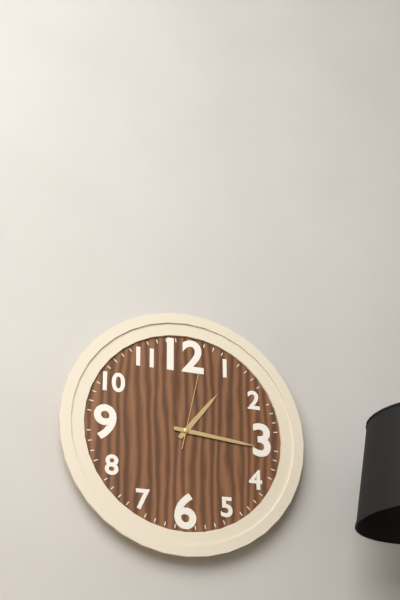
{"hour": 1, "minute": 16, "second": 2}
